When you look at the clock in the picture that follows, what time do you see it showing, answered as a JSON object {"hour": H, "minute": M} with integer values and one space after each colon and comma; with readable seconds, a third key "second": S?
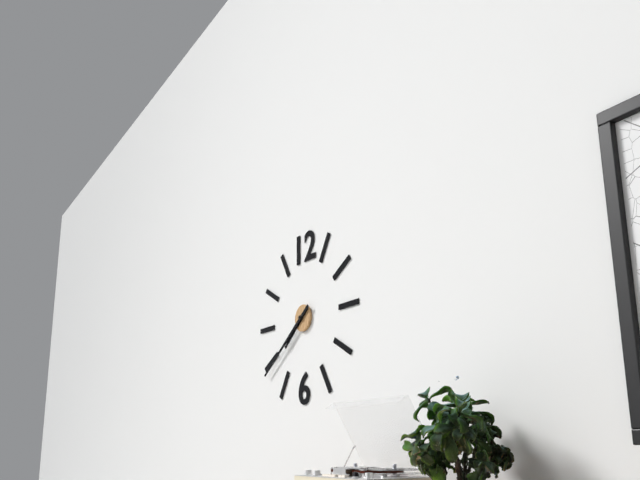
{"hour": 7, "minute": 39}
